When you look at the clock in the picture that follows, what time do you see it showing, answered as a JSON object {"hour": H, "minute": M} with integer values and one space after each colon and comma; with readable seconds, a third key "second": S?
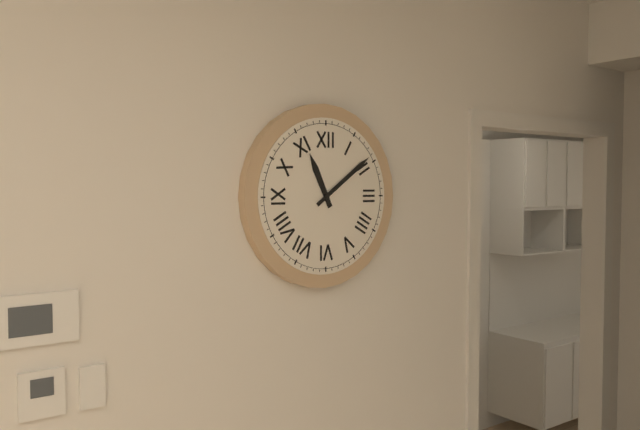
{"hour": 11, "minute": 9}
